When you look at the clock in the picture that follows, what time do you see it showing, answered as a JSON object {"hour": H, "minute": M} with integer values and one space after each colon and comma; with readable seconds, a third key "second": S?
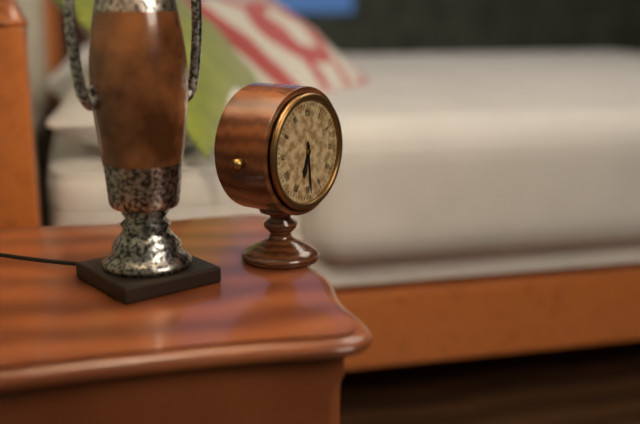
{"hour": 6, "minute": 29}
